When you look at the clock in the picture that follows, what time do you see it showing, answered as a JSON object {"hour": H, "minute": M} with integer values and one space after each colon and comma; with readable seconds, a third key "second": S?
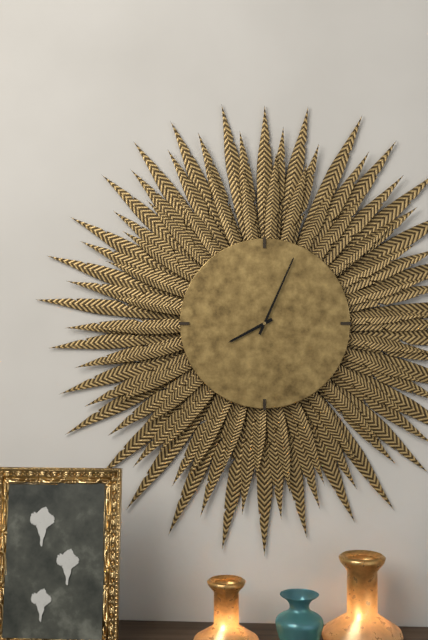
{"hour": 8, "minute": 4}
